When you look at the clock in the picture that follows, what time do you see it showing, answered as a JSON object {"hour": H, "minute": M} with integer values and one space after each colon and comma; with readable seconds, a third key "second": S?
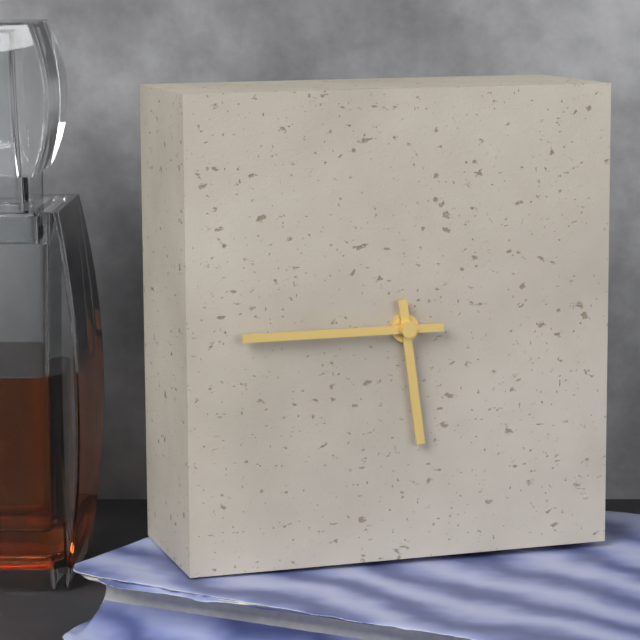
{"hour": 5, "minute": 45}
